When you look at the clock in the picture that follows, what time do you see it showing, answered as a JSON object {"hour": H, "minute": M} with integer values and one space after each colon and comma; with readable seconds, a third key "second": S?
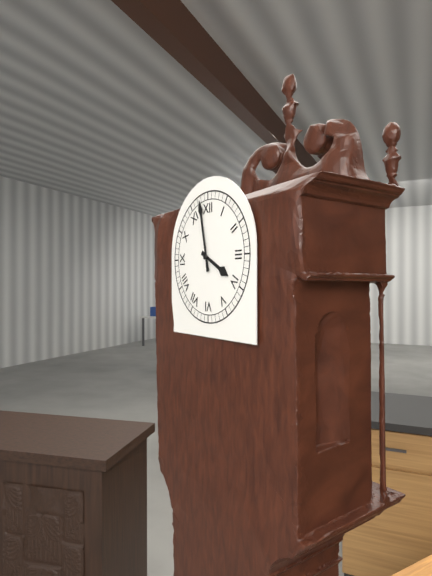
{"hour": 3, "minute": 58}
